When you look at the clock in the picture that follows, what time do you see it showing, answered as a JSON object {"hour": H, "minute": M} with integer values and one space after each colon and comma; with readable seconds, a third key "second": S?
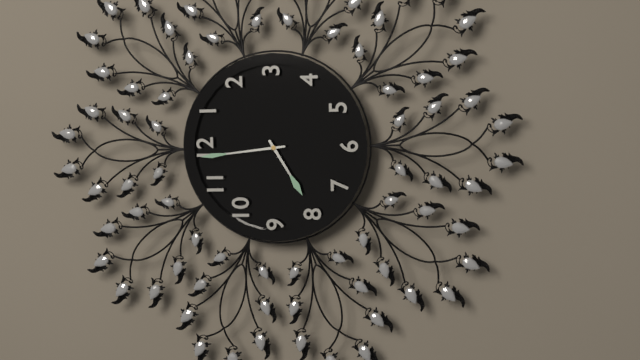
{"hour": 7, "minute": 59}
